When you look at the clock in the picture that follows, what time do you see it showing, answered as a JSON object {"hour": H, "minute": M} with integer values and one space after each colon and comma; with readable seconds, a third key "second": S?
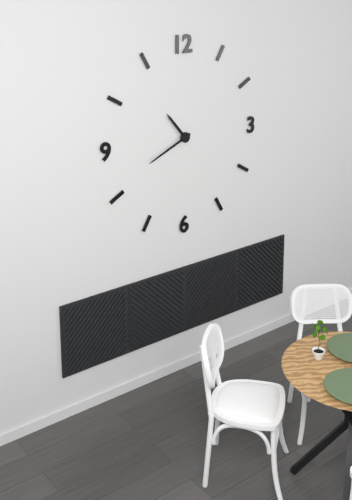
{"hour": 10, "minute": 41}
